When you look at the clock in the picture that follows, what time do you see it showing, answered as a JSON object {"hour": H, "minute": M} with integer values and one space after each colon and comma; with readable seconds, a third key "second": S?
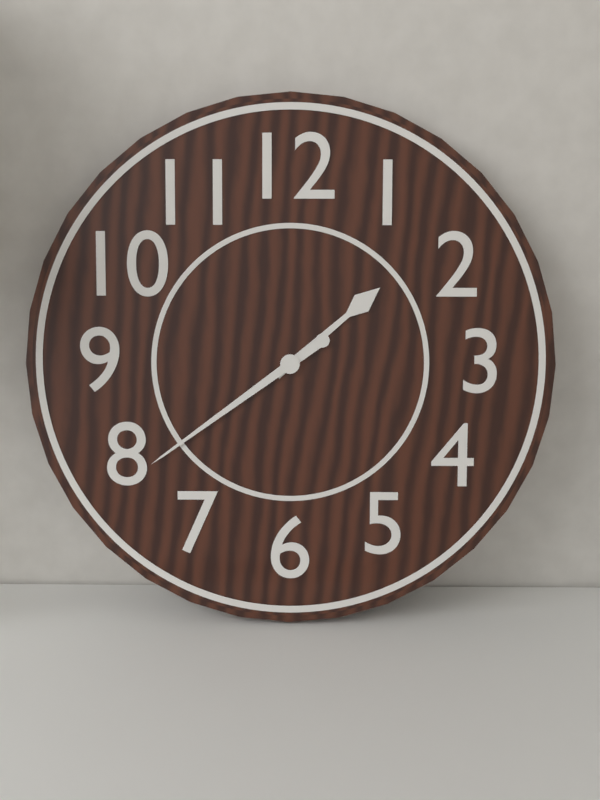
{"hour": 1, "minute": 39}
